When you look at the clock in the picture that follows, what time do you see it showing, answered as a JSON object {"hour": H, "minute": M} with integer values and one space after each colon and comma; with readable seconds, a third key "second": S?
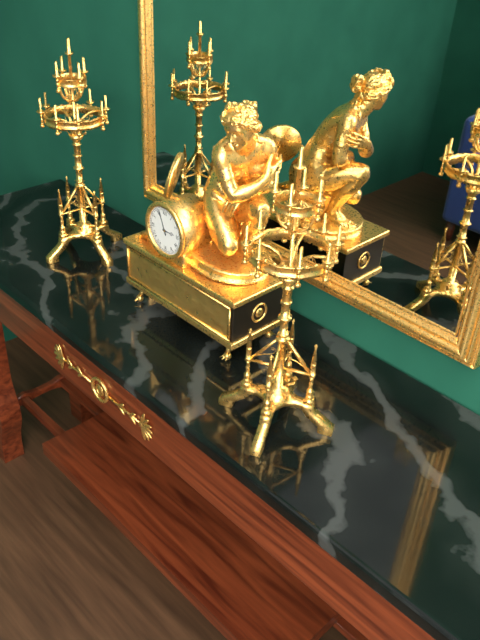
{"hour": 2, "minute": 56}
